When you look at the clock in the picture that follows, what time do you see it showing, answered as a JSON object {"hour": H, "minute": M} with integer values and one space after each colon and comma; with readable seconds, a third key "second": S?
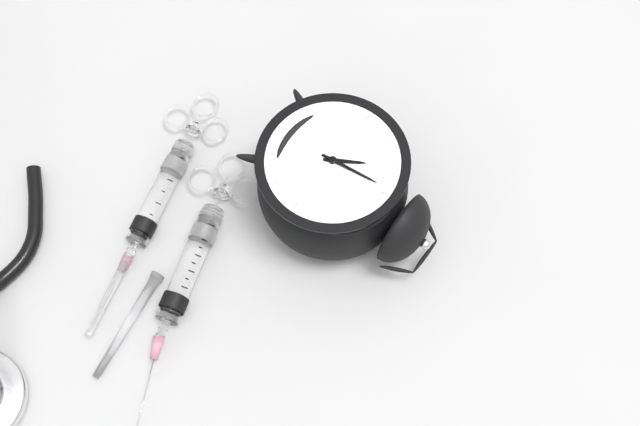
{"hour": 10, "minute": 59}
